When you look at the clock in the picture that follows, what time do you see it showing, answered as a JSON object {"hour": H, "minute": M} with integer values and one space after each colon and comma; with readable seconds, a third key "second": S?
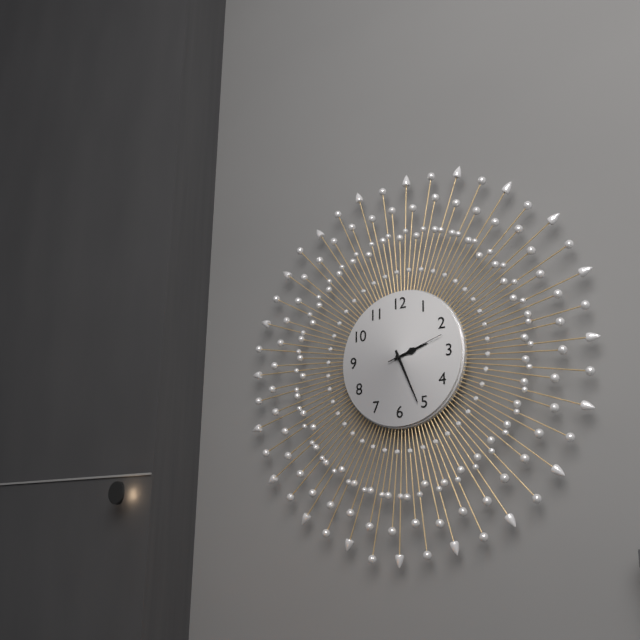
{"hour": 2, "minute": 26, "second": 12}
